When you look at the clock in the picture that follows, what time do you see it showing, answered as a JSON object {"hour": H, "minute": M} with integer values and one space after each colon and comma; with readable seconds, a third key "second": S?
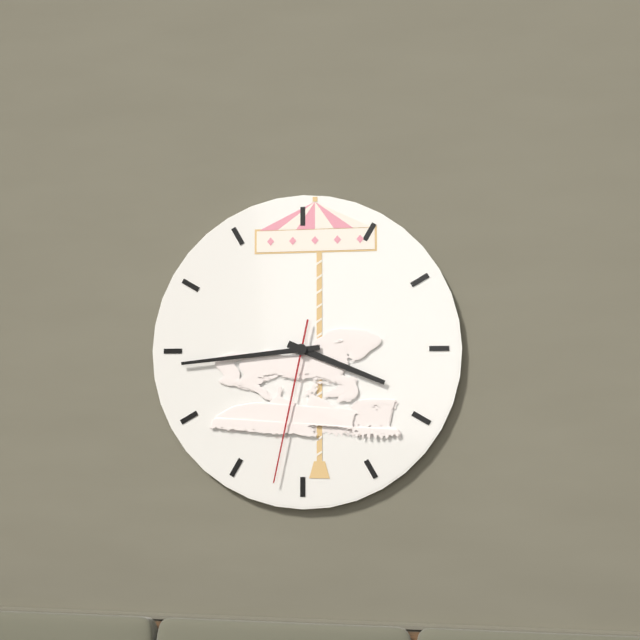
{"hour": 3, "minute": 44, "second": 32}
